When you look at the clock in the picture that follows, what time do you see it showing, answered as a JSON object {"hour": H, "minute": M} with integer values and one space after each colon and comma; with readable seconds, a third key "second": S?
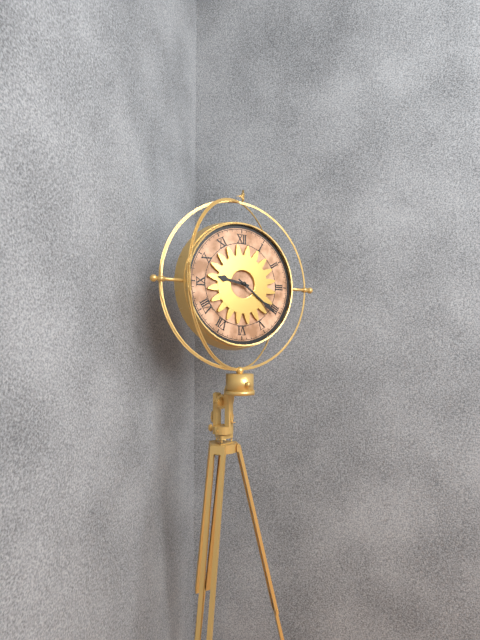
{"hour": 9, "minute": 21}
